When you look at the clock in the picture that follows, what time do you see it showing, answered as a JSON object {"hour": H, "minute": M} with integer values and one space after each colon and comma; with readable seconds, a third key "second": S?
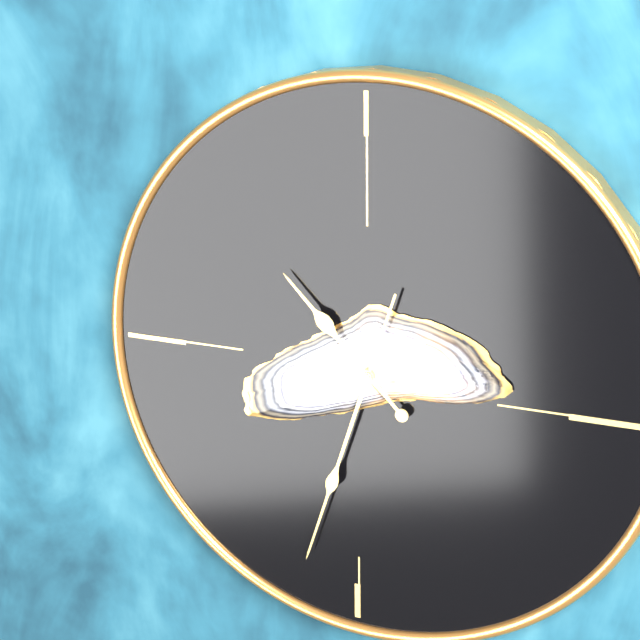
{"hour": 10, "minute": 33}
